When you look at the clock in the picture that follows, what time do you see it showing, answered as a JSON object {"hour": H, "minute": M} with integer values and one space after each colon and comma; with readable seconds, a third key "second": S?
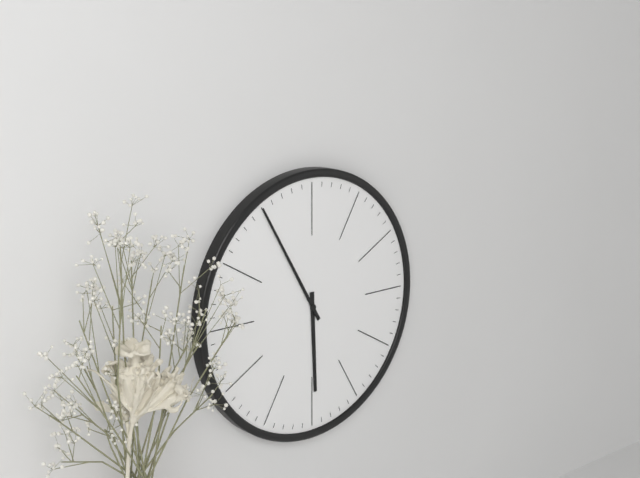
{"hour": 5, "minute": 55}
